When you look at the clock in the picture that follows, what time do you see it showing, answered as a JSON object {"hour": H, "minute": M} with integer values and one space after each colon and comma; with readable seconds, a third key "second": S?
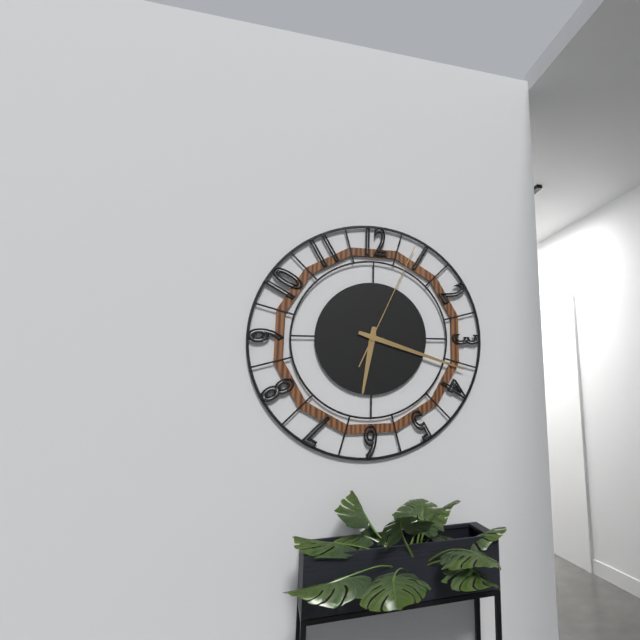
{"hour": 6, "minute": 18, "second": 4}
